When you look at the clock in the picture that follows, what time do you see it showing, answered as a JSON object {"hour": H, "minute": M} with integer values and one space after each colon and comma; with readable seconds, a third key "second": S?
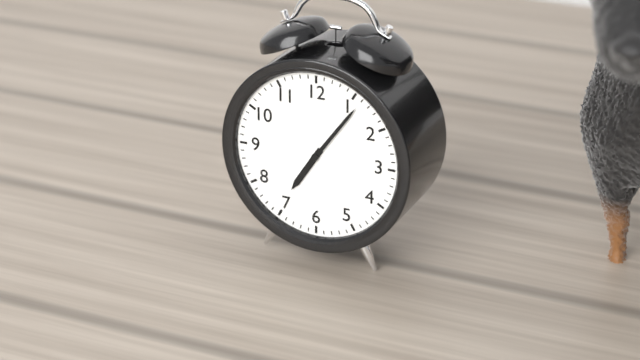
{"hour": 7, "minute": 6}
